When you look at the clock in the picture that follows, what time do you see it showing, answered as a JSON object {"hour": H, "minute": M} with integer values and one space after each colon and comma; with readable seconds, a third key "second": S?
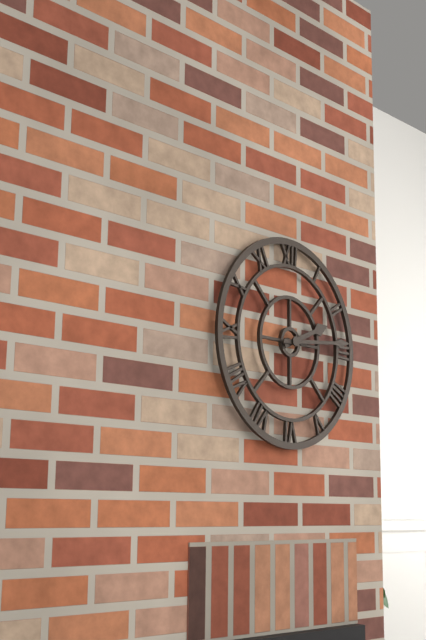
{"hour": 2, "minute": 14}
